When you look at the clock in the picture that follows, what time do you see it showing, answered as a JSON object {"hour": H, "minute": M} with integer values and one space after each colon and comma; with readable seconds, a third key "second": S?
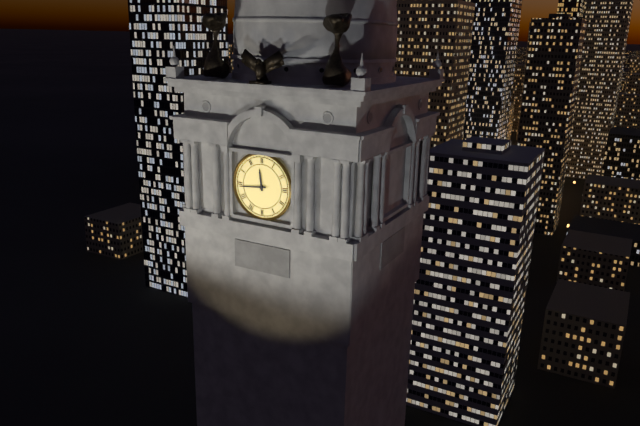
{"hour": 11, "minute": 44}
